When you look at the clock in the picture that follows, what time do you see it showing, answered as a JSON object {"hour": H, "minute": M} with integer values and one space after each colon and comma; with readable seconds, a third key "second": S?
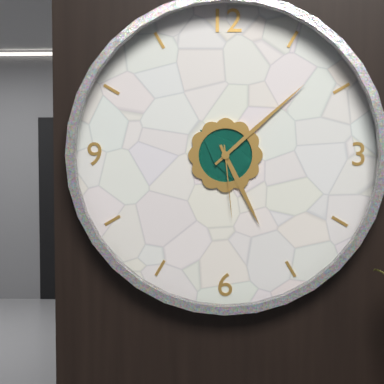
{"hour": 5, "minute": 8, "second": 29}
